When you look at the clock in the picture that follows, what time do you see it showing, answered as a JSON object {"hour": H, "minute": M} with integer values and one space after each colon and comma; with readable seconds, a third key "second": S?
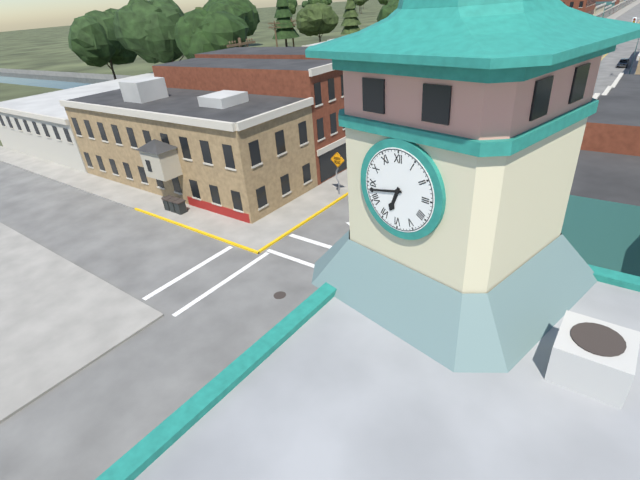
{"hour": 6, "minute": 43}
